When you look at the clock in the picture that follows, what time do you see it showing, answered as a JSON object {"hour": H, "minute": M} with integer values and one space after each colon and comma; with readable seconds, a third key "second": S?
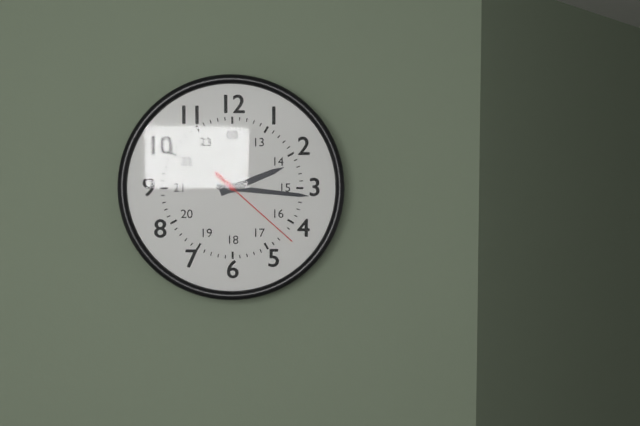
{"hour": 2, "minute": 16, "second": 22}
